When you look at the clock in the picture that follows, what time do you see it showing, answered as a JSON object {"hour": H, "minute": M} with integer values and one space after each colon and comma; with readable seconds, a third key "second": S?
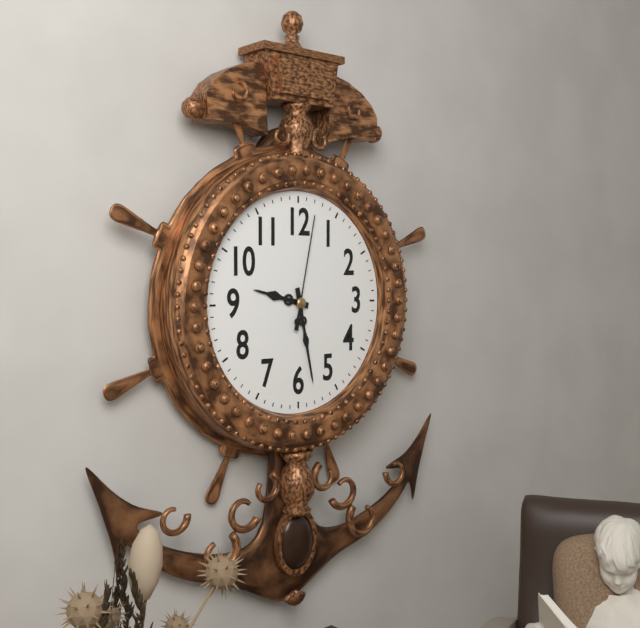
{"hour": 9, "minute": 28, "second": 2}
